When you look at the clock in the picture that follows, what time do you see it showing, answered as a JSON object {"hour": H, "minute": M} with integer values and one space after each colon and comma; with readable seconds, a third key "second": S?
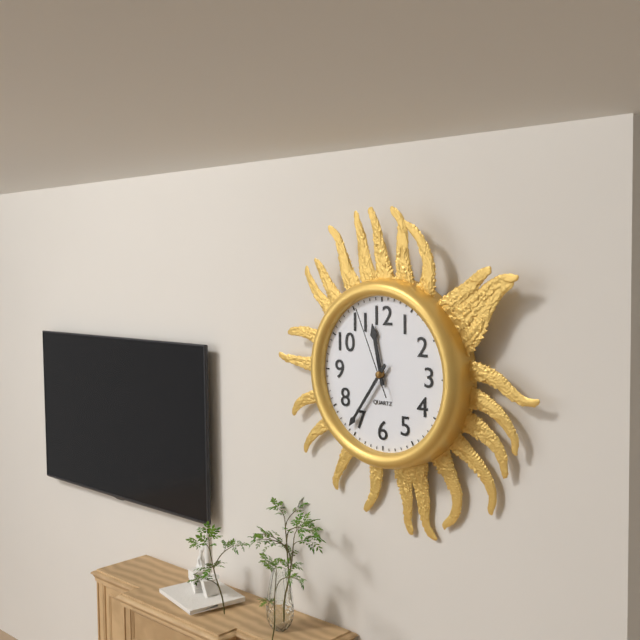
{"hour": 11, "minute": 36, "second": 56}
